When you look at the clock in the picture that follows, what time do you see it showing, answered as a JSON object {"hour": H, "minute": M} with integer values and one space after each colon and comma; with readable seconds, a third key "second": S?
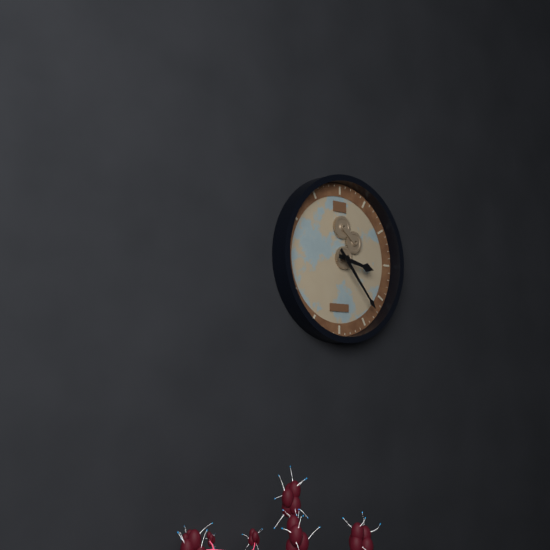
{"hour": 3, "minute": 23}
